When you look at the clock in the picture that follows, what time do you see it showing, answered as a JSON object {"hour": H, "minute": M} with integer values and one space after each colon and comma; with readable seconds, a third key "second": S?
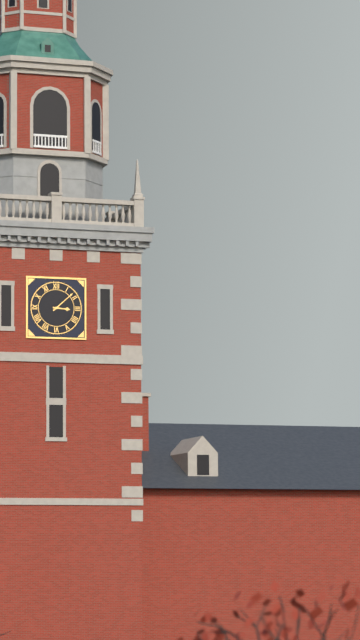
{"hour": 3, "minute": 8}
